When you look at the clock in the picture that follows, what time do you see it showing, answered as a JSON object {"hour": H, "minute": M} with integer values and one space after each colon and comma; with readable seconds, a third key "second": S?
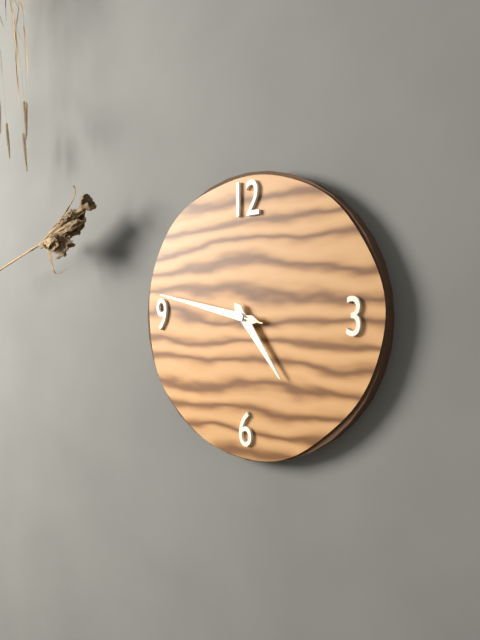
{"hour": 4, "minute": 47, "second": 47}
